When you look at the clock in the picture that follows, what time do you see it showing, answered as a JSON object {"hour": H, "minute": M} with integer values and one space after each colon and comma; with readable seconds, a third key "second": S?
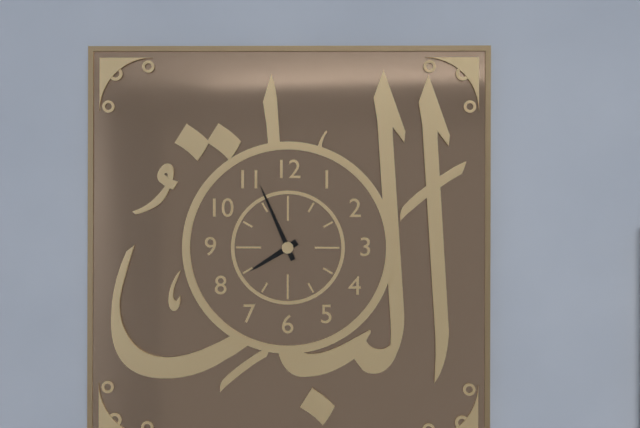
{"hour": 7, "minute": 56}
